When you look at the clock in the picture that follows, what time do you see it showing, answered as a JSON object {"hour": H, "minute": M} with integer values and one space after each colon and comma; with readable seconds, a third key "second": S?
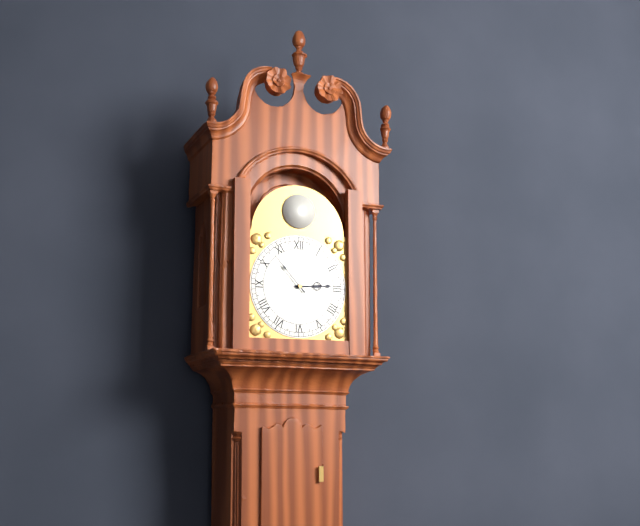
{"hour": 2, "minute": 53}
